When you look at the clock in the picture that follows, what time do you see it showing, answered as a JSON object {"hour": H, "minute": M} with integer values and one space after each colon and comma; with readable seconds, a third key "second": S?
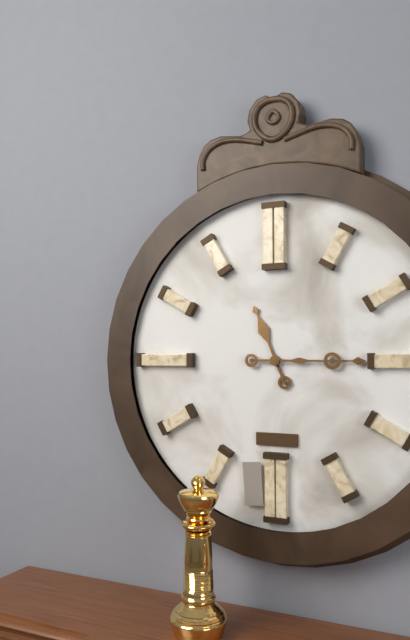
{"hour": 11, "minute": 15}
